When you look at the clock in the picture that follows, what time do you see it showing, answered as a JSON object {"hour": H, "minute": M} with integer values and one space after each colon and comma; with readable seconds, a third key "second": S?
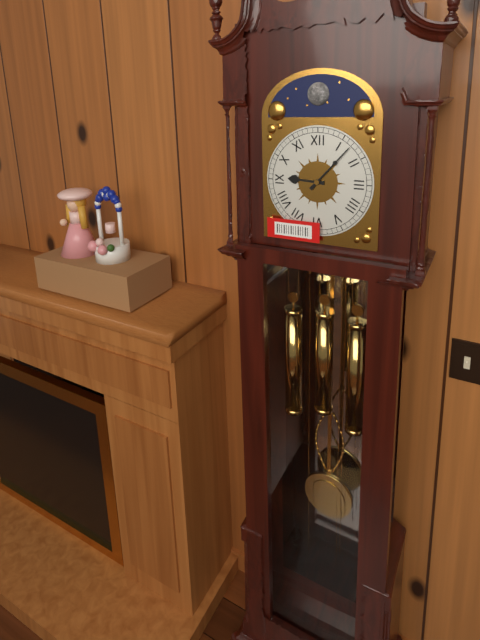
{"hour": 9, "minute": 7}
